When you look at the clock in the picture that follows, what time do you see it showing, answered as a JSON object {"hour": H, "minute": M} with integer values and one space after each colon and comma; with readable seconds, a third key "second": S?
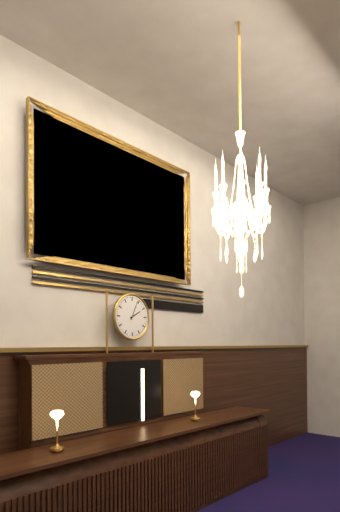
{"hour": 2, "minute": 4}
